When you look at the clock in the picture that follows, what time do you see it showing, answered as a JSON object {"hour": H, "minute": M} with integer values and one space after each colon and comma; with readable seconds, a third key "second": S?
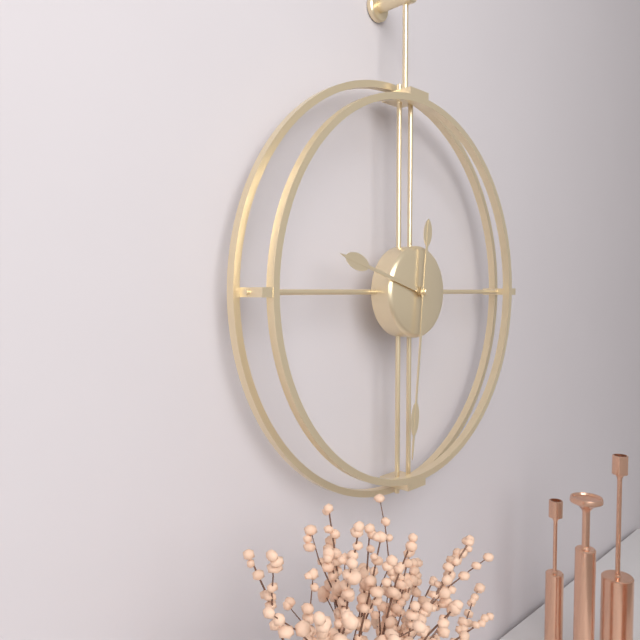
{"hour": 9, "minute": 31}
